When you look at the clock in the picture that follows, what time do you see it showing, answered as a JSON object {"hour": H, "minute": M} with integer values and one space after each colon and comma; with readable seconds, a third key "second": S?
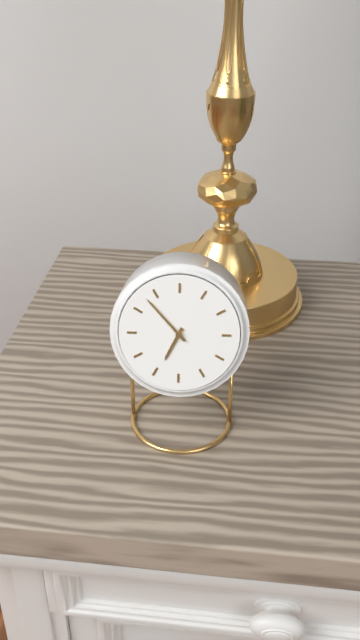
{"hour": 6, "minute": 53}
